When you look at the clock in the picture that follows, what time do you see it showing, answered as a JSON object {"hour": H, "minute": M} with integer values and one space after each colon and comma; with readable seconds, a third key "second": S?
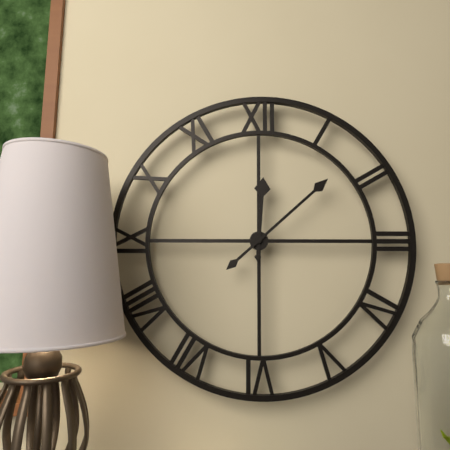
{"hour": 12, "minute": 8}
